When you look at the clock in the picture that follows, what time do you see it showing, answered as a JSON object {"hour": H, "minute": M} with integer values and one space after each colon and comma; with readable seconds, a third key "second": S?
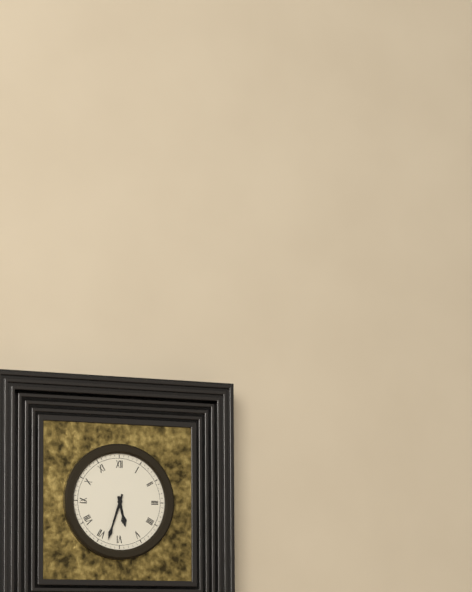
{"hour": 5, "minute": 33}
